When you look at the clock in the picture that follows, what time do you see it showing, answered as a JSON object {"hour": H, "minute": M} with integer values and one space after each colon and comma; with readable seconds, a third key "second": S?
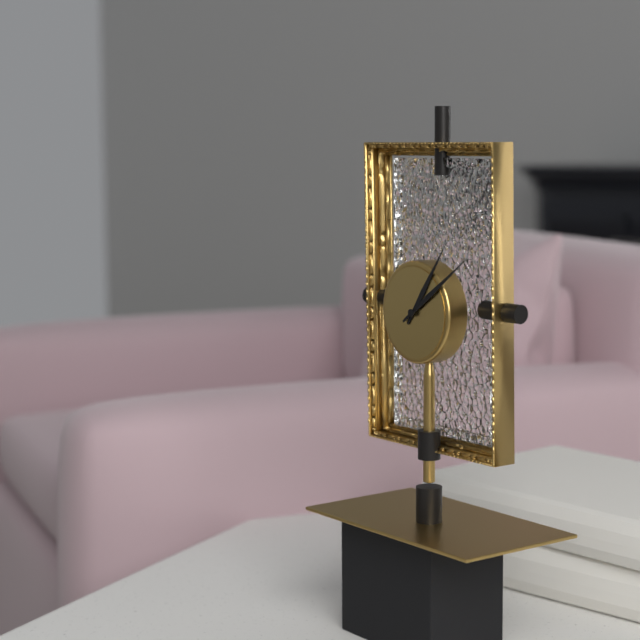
{"hour": 1, "minute": 9}
